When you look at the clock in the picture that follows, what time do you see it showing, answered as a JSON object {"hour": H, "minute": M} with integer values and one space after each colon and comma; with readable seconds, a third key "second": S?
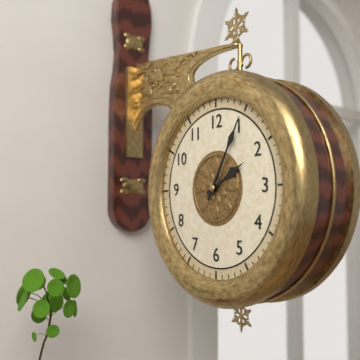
{"hour": 2, "minute": 5}
